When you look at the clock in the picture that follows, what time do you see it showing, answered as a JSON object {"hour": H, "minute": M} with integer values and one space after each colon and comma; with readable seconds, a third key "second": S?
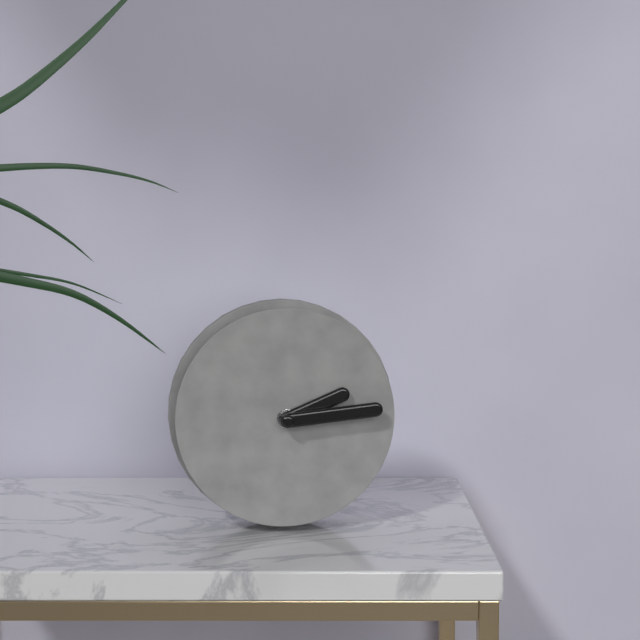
{"hour": 2, "minute": 14}
